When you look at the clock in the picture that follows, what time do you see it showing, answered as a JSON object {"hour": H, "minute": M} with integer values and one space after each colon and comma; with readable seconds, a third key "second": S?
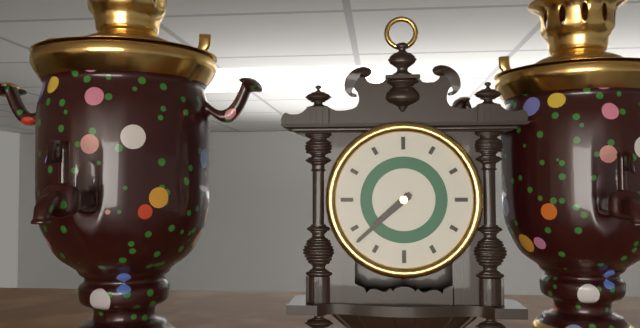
{"hour": 7, "minute": 38}
